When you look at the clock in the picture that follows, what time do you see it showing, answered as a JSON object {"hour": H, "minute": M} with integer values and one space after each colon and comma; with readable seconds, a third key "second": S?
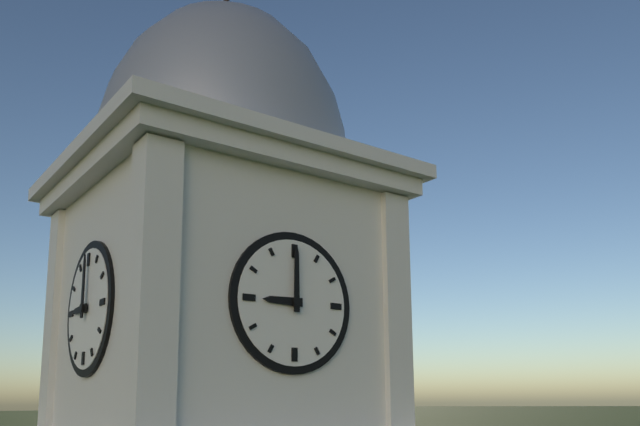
{"hour": 9, "minute": 0}
